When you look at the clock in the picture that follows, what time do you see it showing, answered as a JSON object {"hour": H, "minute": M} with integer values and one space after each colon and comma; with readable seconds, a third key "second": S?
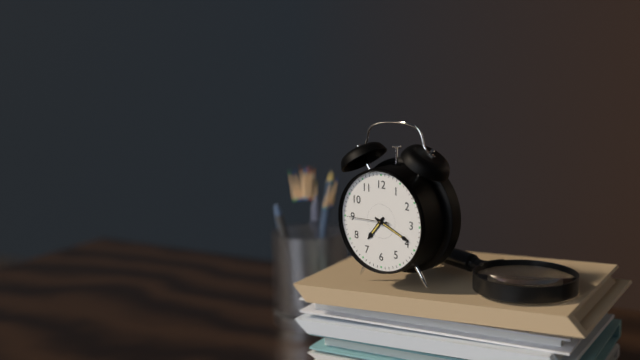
{"hour": 7, "minute": 19}
